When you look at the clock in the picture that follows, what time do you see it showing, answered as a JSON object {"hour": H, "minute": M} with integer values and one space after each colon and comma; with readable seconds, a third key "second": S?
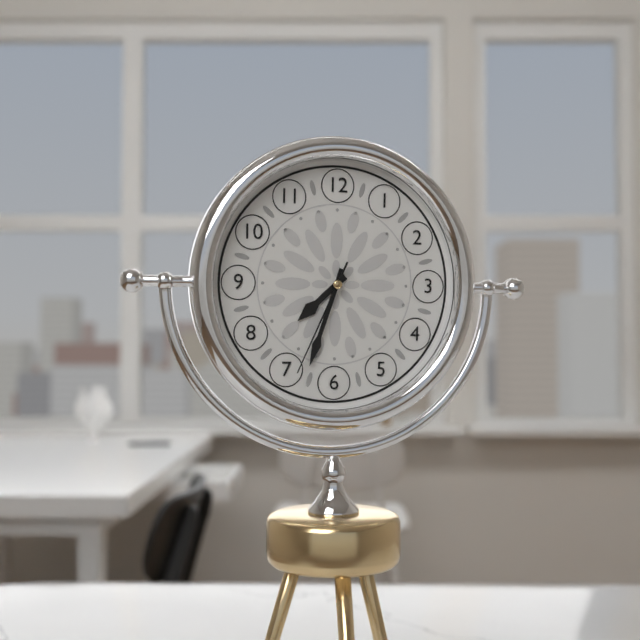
{"hour": 7, "minute": 33, "second": 34}
